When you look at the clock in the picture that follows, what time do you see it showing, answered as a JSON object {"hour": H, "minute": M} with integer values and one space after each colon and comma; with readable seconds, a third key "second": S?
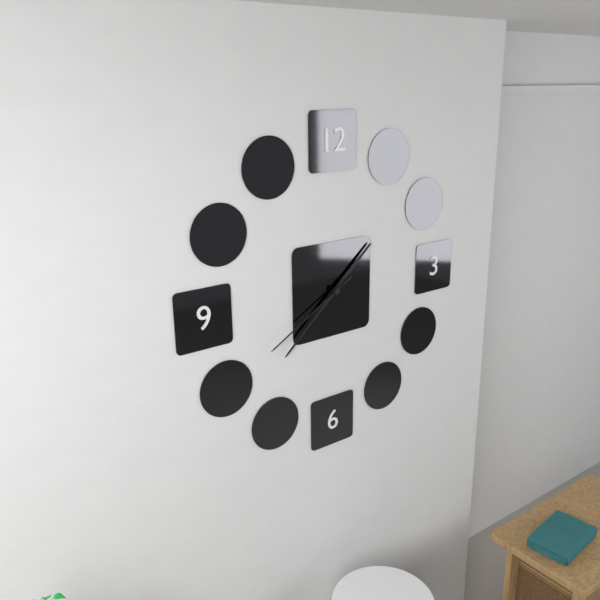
{"hour": 1, "minute": 38, "second": 40}
